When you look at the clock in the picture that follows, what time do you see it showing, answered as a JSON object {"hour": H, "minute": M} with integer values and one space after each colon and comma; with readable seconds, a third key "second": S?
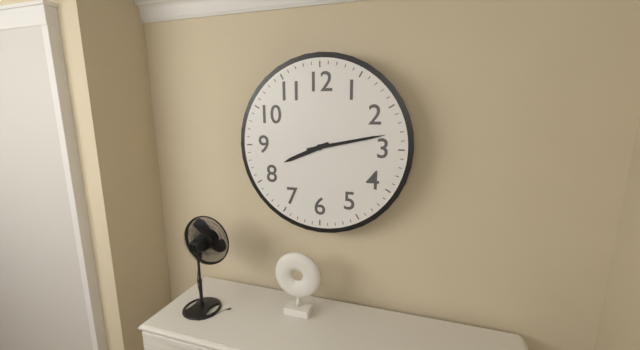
{"hour": 8, "minute": 13}
